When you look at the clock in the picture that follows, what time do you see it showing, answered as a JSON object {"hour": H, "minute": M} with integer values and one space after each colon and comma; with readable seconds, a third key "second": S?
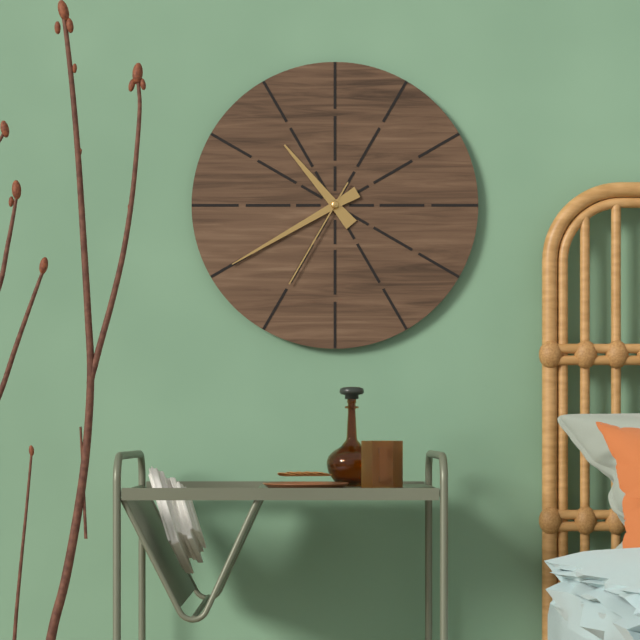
{"hour": 10, "minute": 40, "second": 35}
